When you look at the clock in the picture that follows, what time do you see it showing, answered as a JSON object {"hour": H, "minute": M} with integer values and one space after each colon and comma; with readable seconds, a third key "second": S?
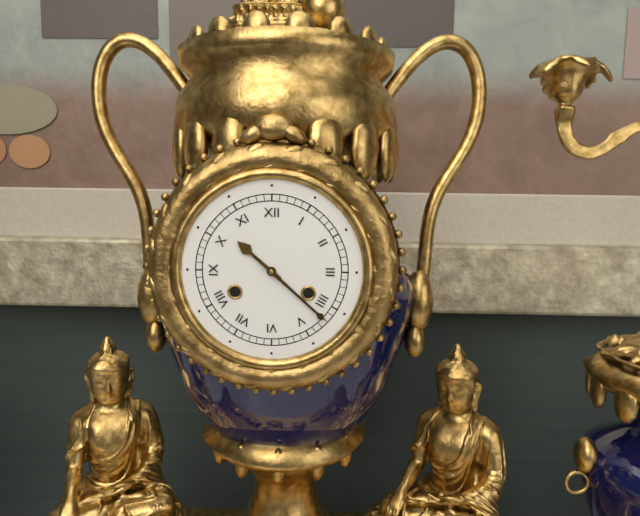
{"hour": 10, "minute": 22}
